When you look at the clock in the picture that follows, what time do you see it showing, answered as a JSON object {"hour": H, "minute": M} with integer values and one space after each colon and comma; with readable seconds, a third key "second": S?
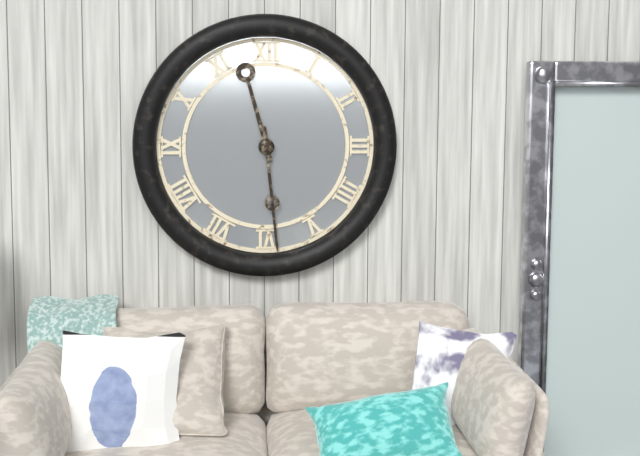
{"hour": 11, "minute": 29}
